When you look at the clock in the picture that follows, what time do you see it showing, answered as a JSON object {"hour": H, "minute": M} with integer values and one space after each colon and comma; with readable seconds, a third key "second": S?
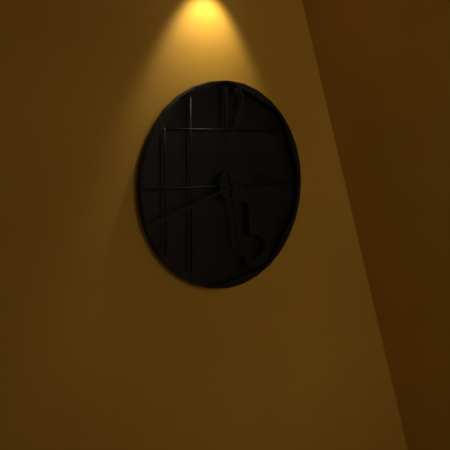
{"hour": 5, "minute": 42}
